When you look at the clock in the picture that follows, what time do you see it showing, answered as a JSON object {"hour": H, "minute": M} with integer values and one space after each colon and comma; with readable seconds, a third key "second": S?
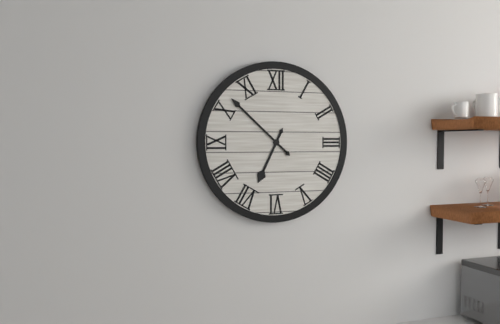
{"hour": 6, "minute": 52}
